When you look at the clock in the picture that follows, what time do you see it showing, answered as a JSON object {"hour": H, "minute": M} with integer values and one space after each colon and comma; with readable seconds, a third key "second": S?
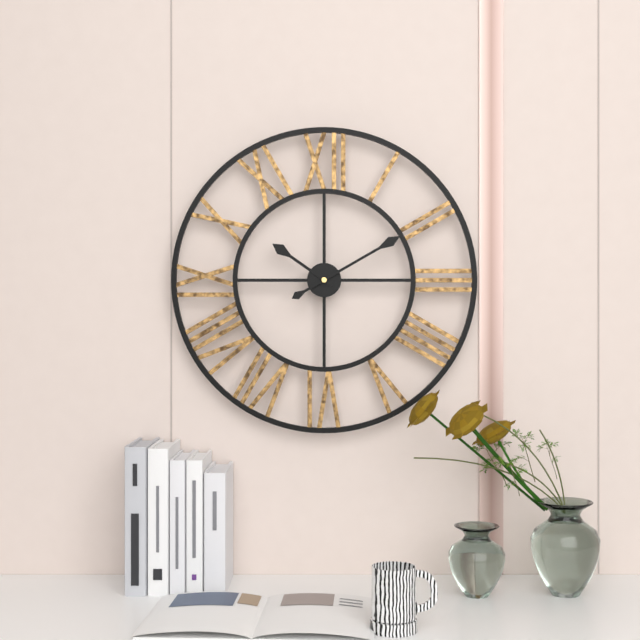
{"hour": 10, "minute": 10}
